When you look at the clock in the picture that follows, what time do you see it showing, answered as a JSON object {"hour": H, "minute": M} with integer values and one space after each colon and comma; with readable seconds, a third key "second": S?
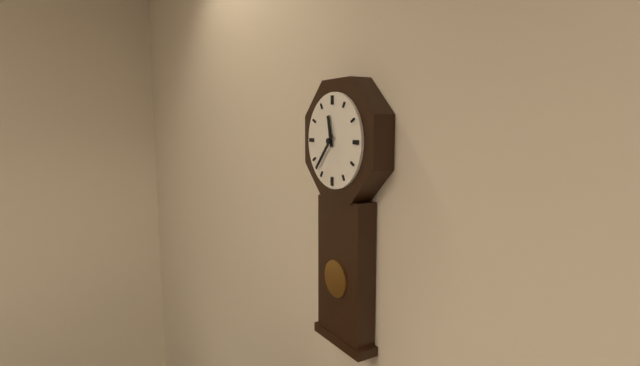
{"hour": 11, "minute": 37}
